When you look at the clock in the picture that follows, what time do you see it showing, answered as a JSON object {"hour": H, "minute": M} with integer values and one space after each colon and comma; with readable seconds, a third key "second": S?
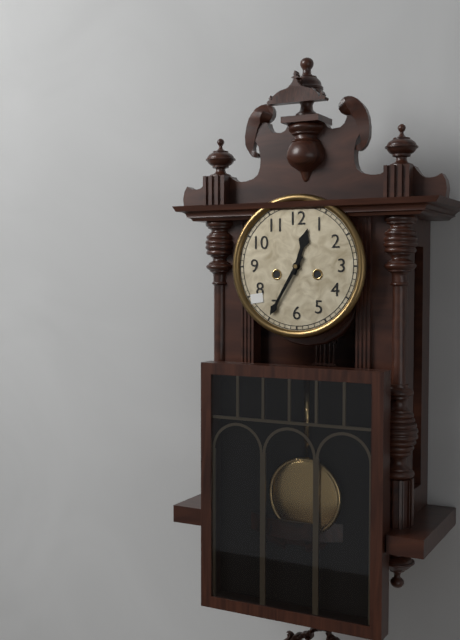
{"hour": 12, "minute": 35}
